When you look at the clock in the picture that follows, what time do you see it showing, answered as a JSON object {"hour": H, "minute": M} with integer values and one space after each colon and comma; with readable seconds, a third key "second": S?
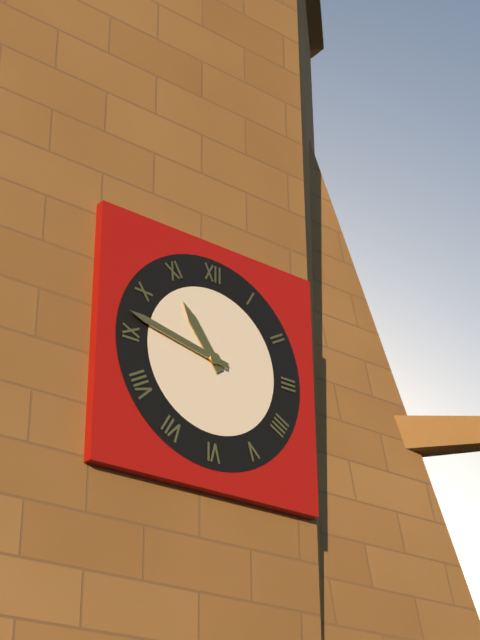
{"hour": 10, "minute": 47}
